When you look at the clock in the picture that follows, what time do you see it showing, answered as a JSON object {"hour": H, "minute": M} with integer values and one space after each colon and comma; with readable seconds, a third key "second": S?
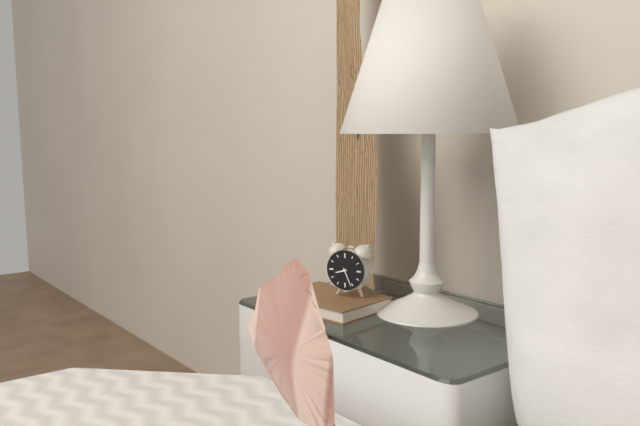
{"hour": 8, "minute": 26}
